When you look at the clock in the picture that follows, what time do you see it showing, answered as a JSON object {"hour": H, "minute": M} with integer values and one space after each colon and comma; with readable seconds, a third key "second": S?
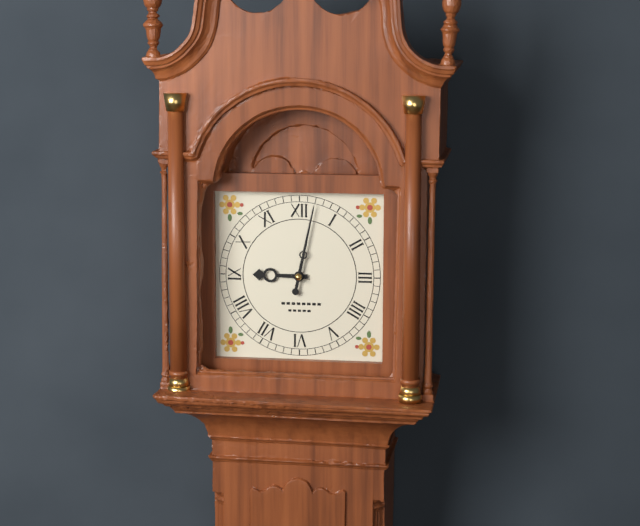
{"hour": 9, "minute": 2}
